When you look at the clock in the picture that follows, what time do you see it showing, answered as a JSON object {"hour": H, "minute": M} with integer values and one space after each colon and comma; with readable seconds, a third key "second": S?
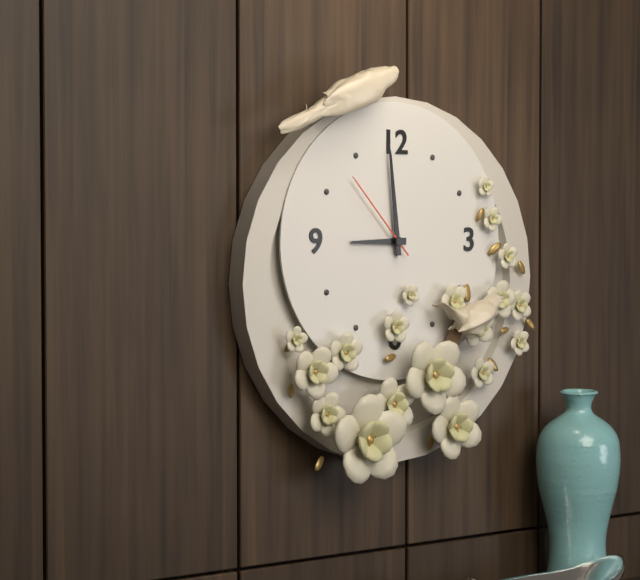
{"hour": 8, "minute": 59, "second": 53}
